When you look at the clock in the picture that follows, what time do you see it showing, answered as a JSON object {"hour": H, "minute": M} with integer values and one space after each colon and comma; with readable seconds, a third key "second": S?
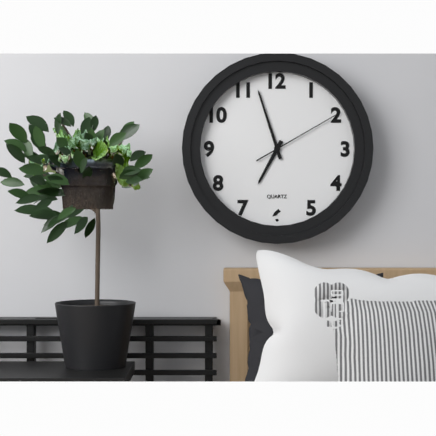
{"hour": 6, "minute": 57, "second": 10}
